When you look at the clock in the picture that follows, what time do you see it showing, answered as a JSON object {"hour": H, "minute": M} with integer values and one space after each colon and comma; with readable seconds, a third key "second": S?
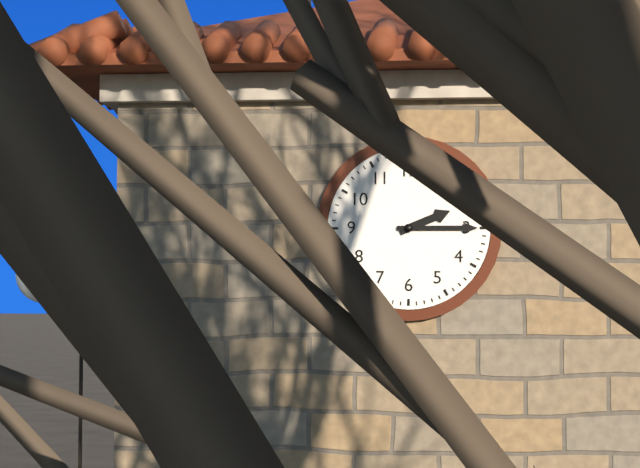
{"hour": 2, "minute": 15}
